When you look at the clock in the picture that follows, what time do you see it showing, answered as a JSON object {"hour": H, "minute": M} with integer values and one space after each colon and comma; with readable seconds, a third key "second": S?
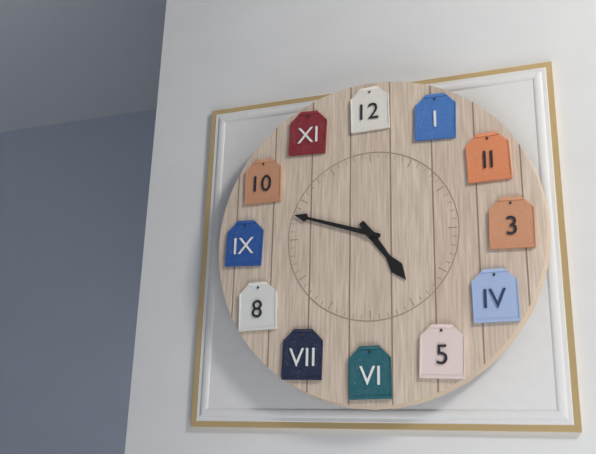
{"hour": 4, "minute": 48}
